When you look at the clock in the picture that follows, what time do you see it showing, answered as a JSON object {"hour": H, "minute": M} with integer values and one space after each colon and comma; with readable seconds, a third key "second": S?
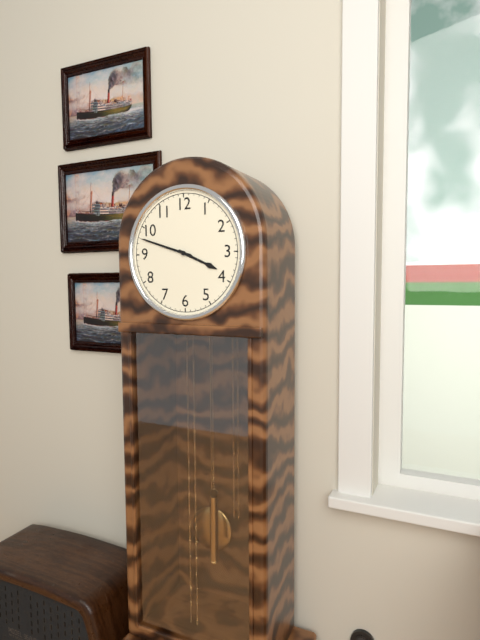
{"hour": 3, "minute": 48}
